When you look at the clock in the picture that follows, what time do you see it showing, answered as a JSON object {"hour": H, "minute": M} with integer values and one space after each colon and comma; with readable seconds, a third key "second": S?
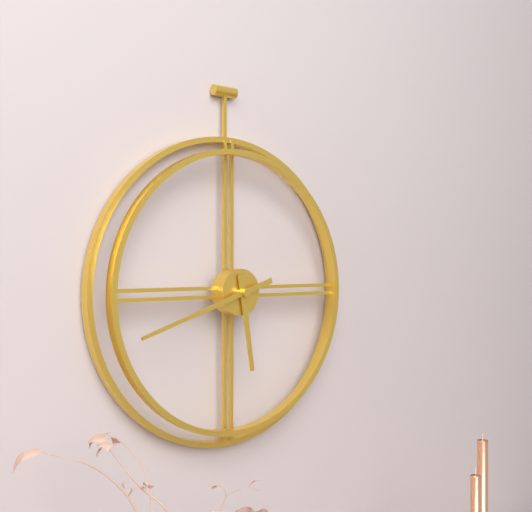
{"hour": 5, "minute": 42}
